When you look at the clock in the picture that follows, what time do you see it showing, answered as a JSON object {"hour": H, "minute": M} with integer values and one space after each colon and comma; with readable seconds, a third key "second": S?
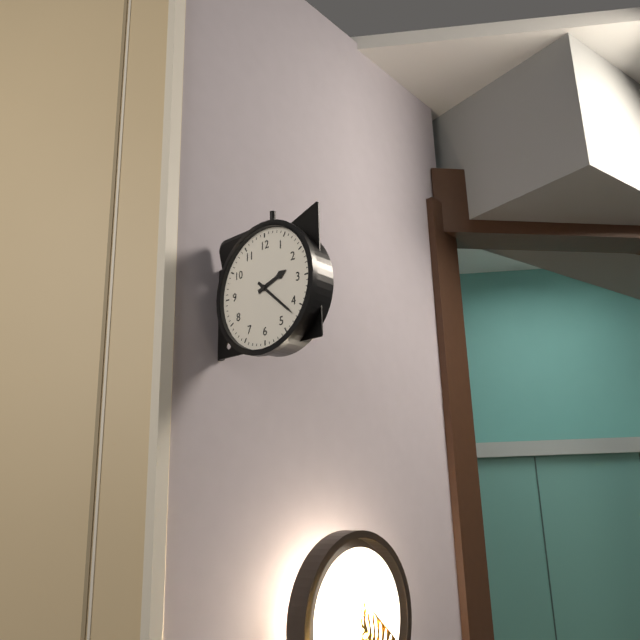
{"hour": 2, "minute": 22}
